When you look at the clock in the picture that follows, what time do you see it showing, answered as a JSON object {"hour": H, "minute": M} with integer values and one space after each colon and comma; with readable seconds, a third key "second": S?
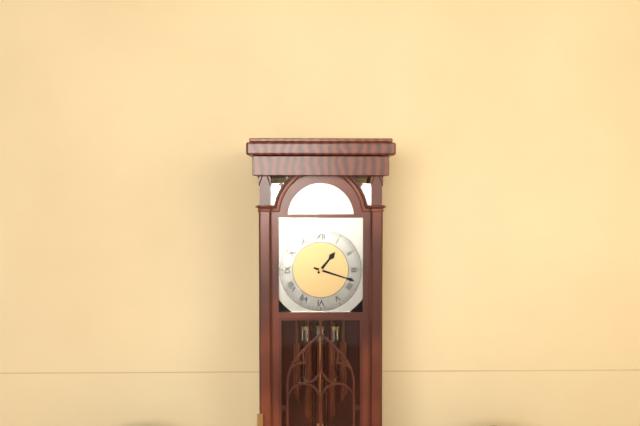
{"hour": 1, "minute": 18}
